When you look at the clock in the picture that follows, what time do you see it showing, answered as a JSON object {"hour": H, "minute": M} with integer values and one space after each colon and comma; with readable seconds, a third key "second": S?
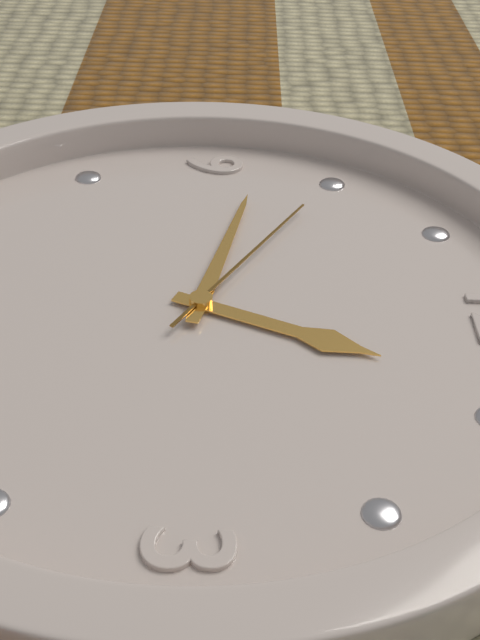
{"hour": 12, "minute": 47, "second": 50}
